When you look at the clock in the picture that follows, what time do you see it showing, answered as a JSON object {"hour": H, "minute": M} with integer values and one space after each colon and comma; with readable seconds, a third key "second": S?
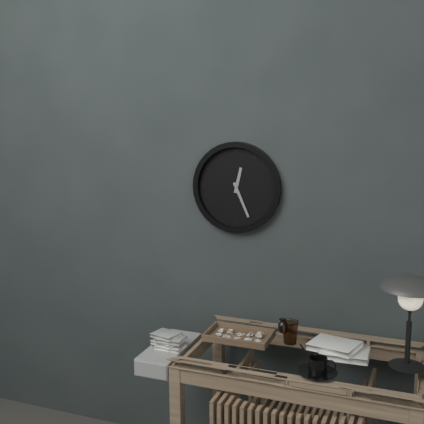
{"hour": 12, "minute": 26}
